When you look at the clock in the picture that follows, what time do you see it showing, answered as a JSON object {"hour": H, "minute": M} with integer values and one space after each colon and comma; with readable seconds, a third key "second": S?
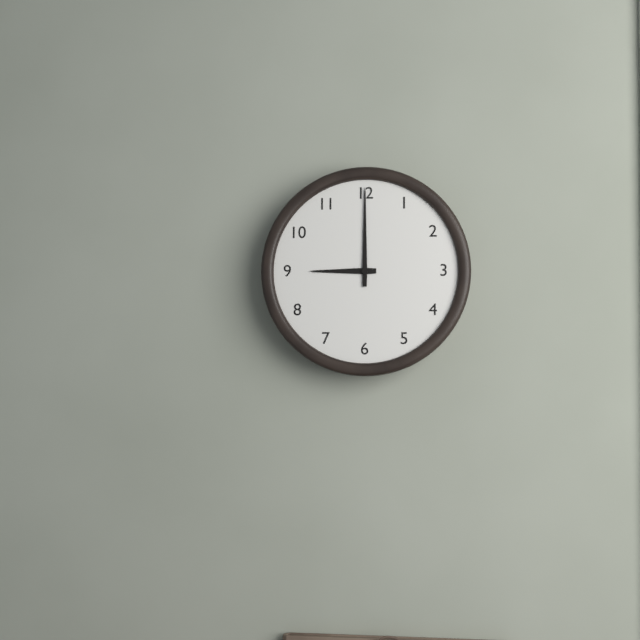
{"hour": 9, "minute": 0}
